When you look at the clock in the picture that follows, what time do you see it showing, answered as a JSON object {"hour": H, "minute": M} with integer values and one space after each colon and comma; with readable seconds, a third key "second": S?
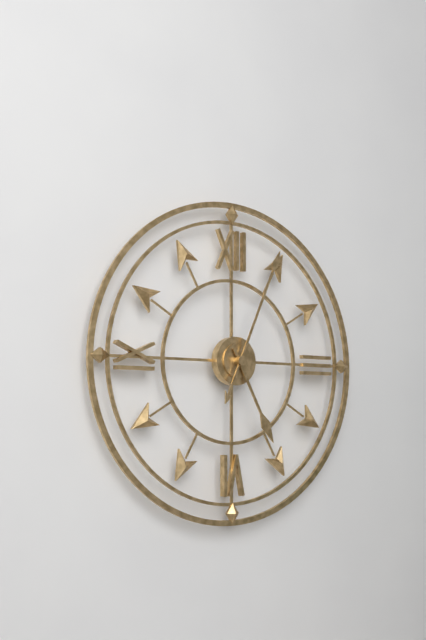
{"hour": 5, "minute": 4}
